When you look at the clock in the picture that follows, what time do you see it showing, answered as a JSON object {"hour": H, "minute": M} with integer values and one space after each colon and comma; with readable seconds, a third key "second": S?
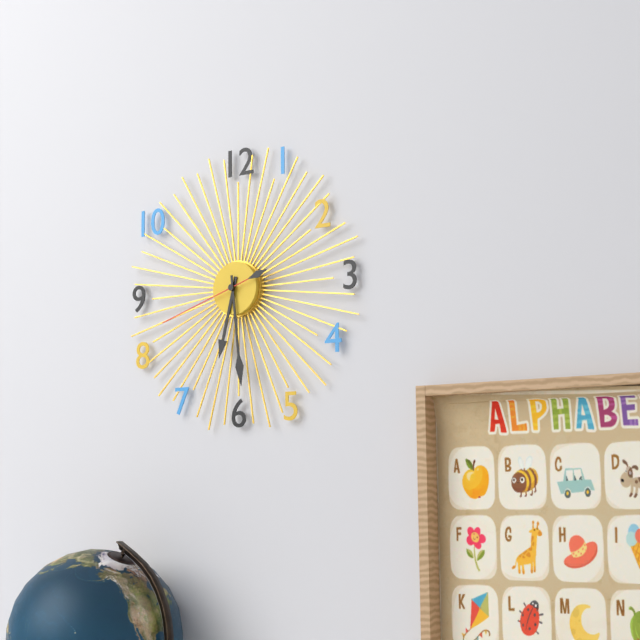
{"hour": 6, "minute": 29, "second": 42}
